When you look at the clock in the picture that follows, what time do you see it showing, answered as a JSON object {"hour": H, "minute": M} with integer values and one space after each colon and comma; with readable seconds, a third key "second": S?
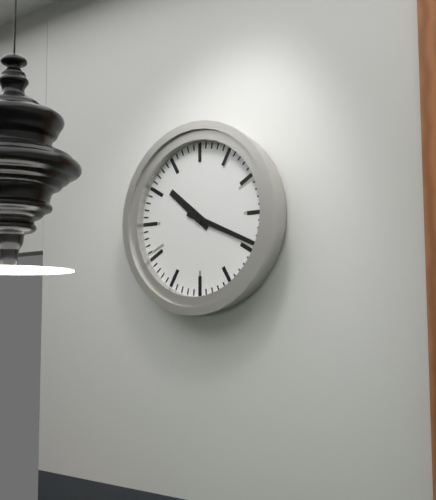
{"hour": 10, "minute": 19}
